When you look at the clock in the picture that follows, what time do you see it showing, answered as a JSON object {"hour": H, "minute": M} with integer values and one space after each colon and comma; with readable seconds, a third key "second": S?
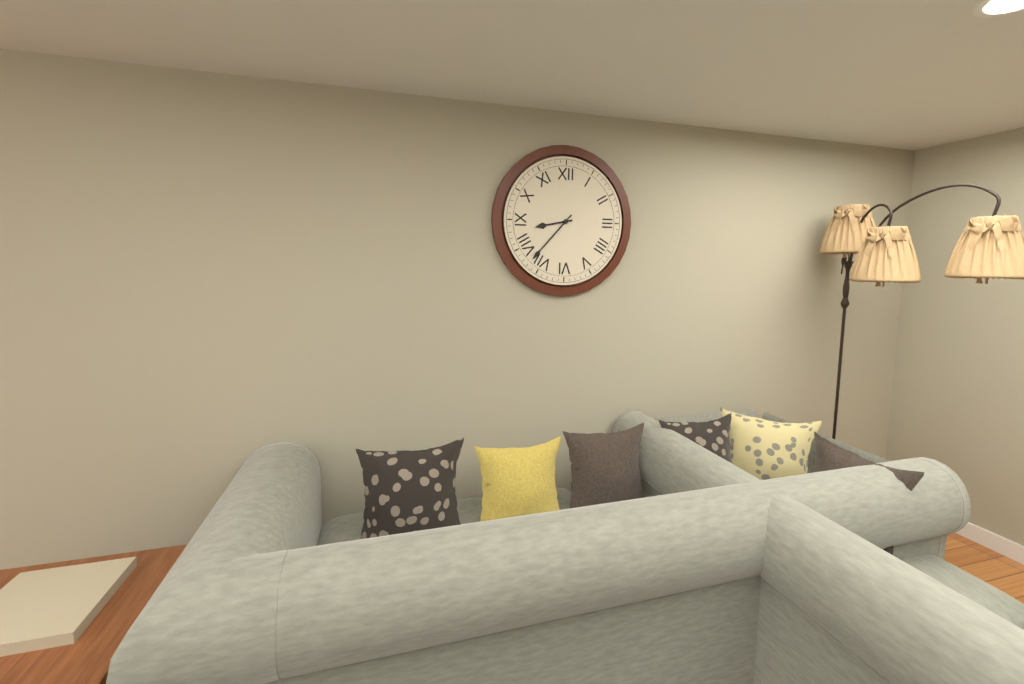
{"hour": 8, "minute": 37}
